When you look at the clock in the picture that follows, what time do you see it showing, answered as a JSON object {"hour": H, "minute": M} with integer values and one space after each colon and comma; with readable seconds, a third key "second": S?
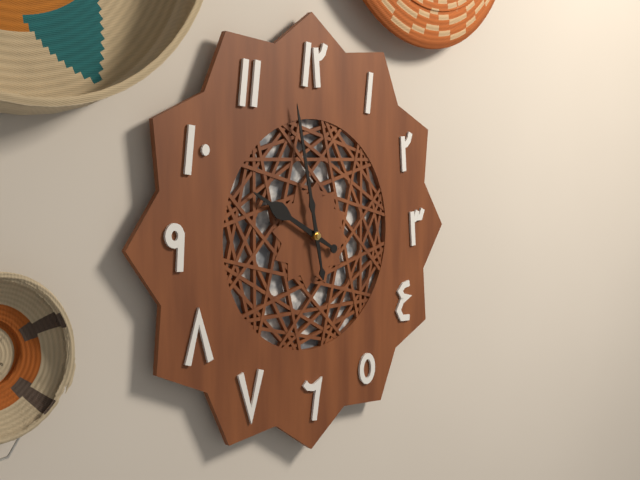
{"hour": 9, "minute": 58}
